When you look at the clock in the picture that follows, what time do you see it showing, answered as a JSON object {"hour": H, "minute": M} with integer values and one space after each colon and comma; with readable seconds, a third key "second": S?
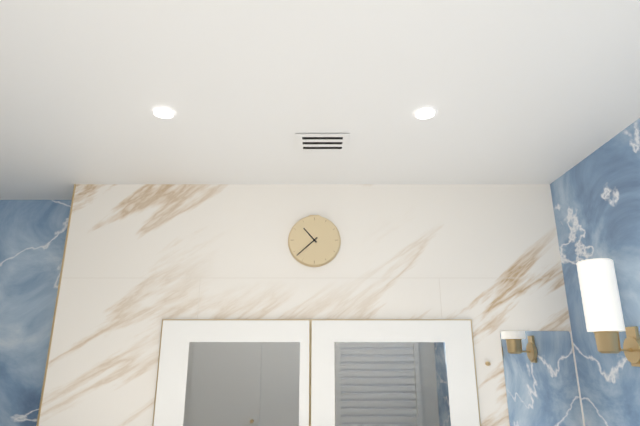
{"hour": 10, "minute": 38}
